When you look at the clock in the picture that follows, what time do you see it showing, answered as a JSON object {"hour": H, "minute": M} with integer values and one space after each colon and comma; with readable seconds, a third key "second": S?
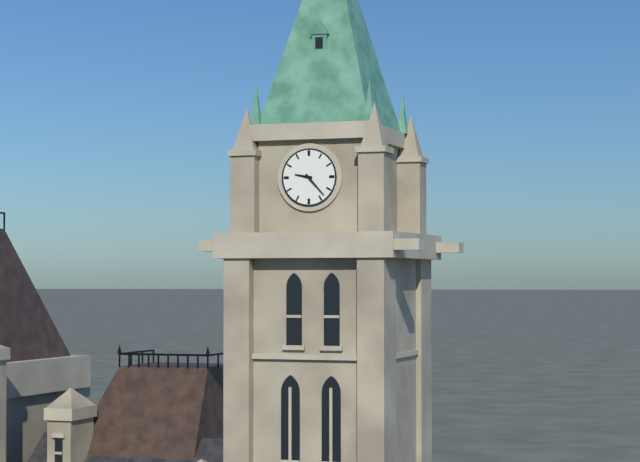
{"hour": 9, "minute": 23}
